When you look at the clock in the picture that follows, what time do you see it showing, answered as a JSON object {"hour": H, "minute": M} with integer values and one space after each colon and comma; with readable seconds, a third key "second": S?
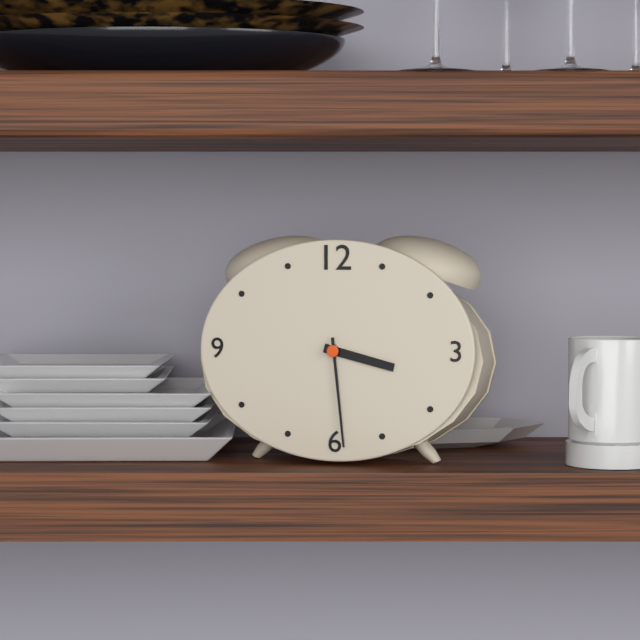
{"hour": 3, "minute": 29}
